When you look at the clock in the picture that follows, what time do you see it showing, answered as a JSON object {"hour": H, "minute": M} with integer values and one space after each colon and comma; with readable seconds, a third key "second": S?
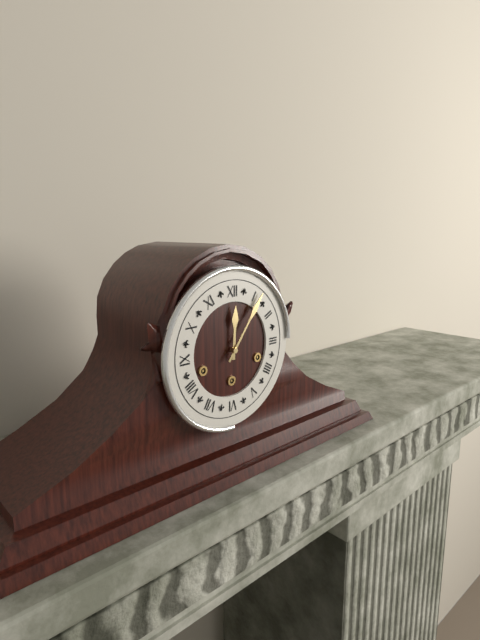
{"hour": 12, "minute": 6}
